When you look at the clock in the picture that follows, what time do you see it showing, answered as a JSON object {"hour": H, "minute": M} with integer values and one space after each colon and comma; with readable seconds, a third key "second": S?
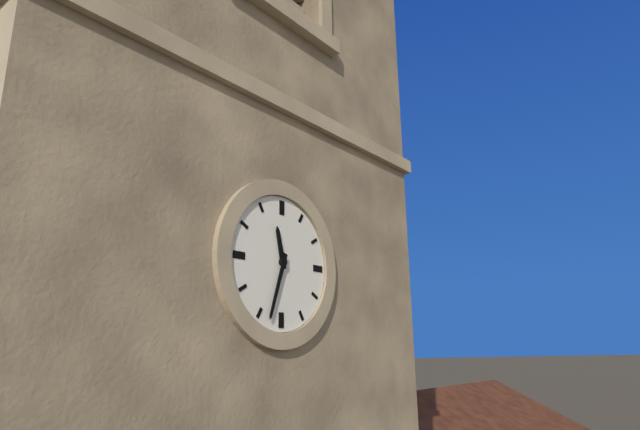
{"hour": 11, "minute": 33}
